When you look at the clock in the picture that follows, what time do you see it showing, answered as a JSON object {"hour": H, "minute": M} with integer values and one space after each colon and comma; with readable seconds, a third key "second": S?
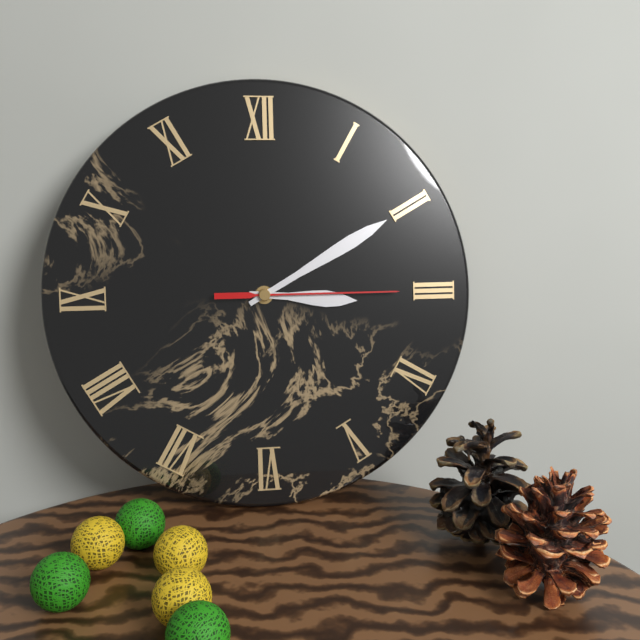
{"hour": 3, "minute": 10, "second": 15}
